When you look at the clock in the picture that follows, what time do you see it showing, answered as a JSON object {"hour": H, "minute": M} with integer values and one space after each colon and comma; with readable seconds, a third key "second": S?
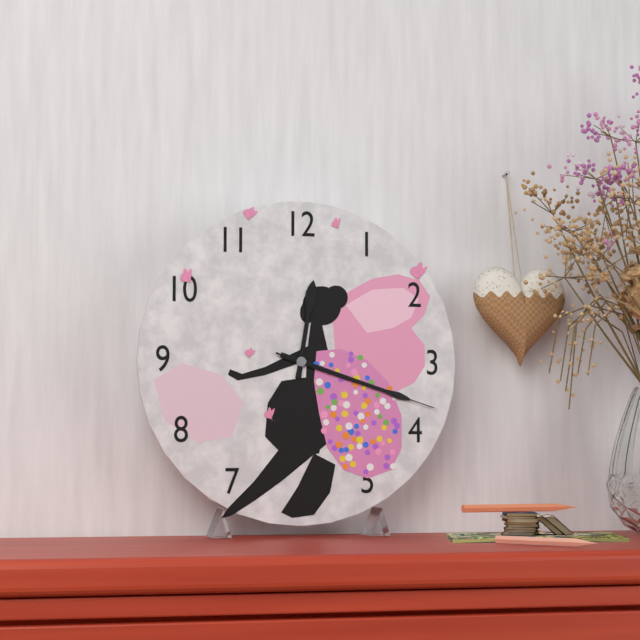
{"hour": 12, "minute": 18, "second": 18}
